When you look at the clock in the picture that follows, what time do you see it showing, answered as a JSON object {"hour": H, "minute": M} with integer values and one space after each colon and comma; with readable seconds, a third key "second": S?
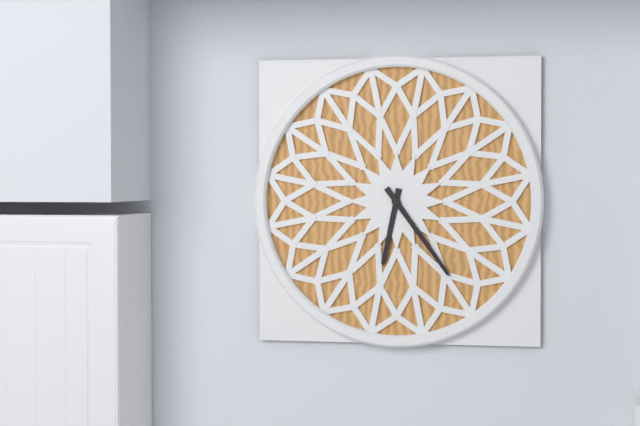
{"hour": 6, "minute": 24}
